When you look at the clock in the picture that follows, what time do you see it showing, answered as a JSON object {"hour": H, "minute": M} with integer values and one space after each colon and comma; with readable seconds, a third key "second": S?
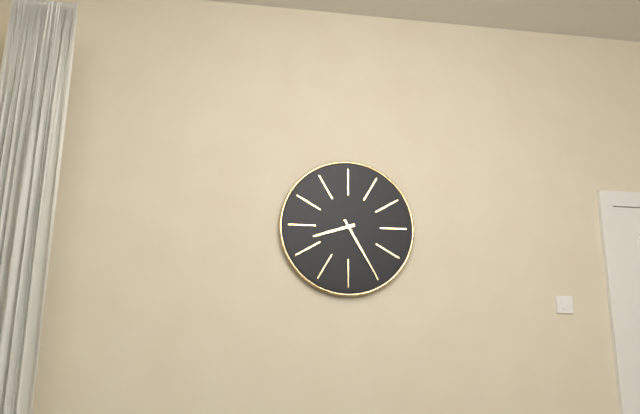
{"hour": 8, "minute": 25}
